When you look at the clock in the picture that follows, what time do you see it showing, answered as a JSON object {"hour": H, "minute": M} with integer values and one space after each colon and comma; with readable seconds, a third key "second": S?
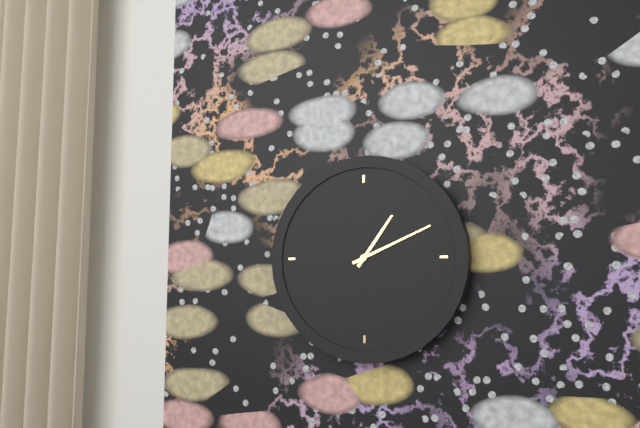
{"hour": 1, "minute": 11}
